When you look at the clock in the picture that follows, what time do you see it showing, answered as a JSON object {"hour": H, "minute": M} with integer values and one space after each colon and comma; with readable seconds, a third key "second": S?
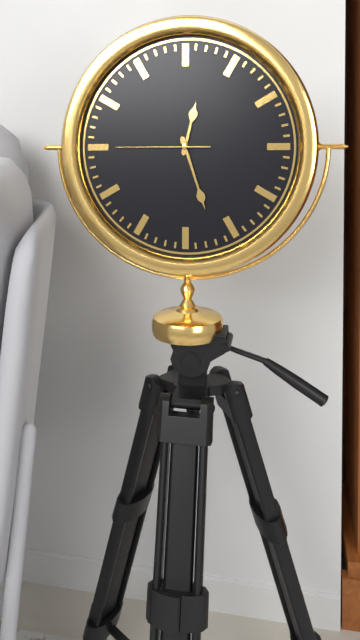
{"hour": 12, "minute": 27, "second": 45}
